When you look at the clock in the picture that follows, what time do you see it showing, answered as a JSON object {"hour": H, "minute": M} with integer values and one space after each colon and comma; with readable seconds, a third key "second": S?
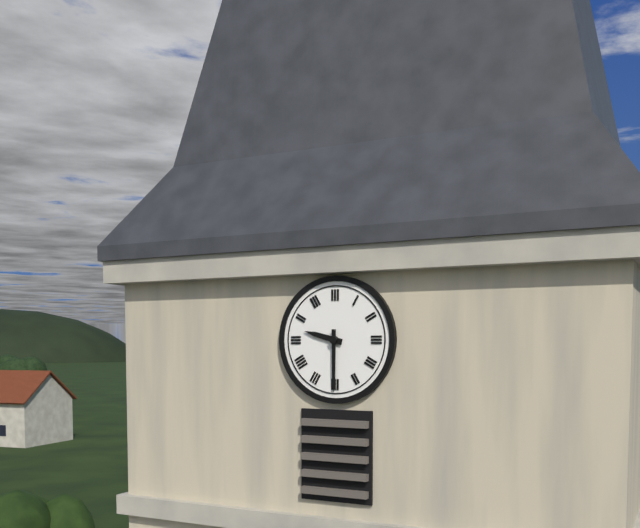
{"hour": 9, "minute": 30}
